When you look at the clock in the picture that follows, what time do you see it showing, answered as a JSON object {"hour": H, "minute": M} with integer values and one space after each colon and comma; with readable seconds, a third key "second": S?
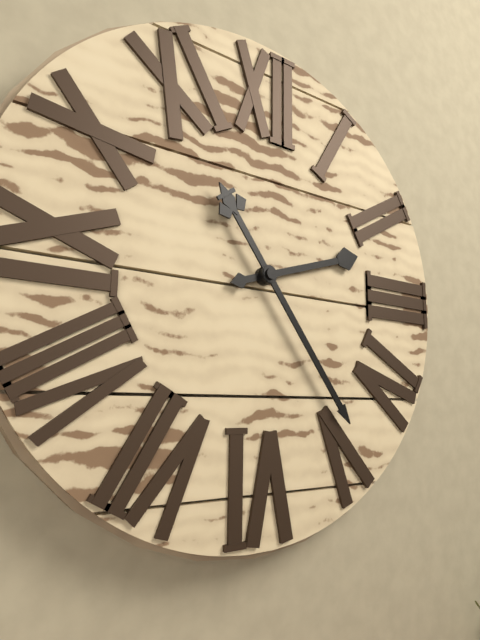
{"hour": 2, "minute": 24}
